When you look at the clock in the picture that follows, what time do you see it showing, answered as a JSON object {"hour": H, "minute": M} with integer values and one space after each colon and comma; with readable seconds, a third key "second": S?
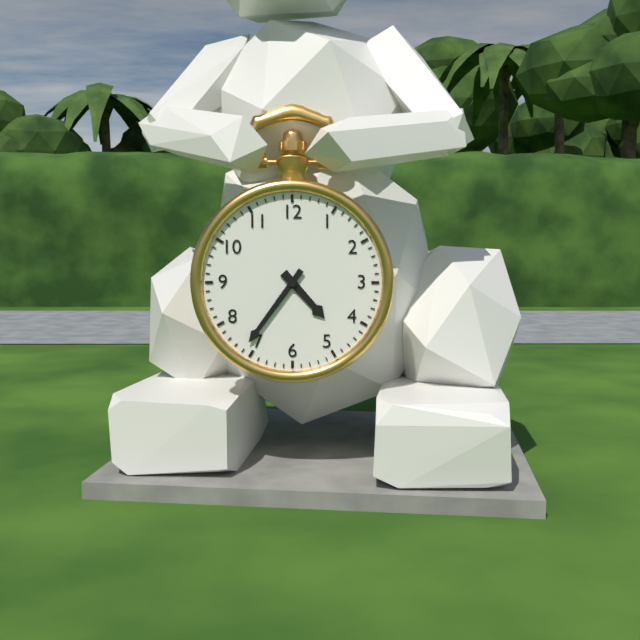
{"hour": 4, "minute": 36}
